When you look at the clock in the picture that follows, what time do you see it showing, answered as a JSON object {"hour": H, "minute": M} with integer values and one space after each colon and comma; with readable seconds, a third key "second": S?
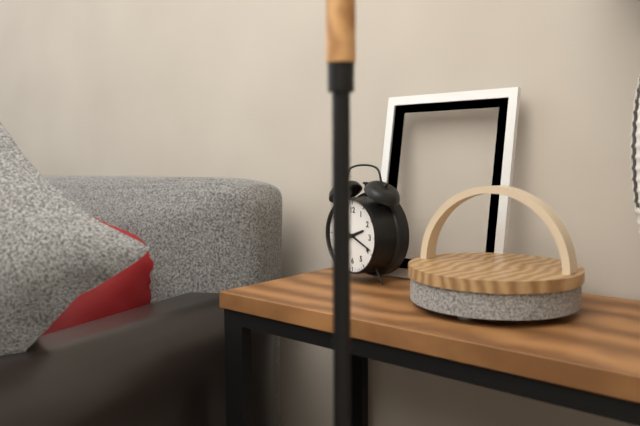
{"hour": 2, "minute": 19}
